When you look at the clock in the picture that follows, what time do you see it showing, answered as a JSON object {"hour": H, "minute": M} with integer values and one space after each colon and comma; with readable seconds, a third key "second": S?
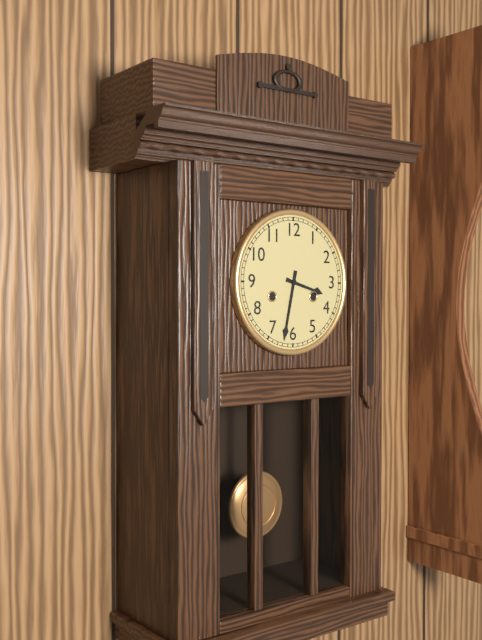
{"hour": 3, "minute": 32}
